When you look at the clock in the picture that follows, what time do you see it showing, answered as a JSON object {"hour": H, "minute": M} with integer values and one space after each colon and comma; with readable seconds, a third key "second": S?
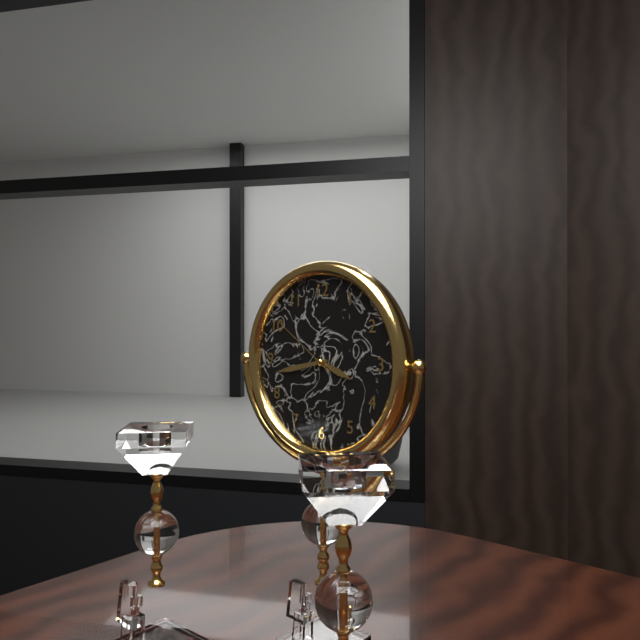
{"hour": 3, "minute": 43, "second": 51}
